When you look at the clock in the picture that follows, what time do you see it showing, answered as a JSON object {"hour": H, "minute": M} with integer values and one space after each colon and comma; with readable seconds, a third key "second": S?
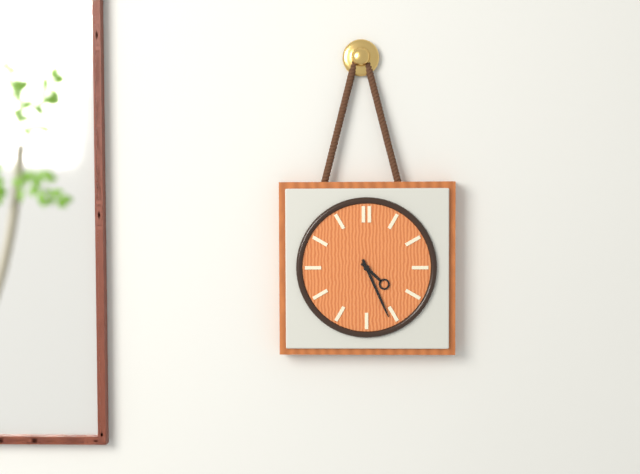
{"hour": 4, "minute": 26}
